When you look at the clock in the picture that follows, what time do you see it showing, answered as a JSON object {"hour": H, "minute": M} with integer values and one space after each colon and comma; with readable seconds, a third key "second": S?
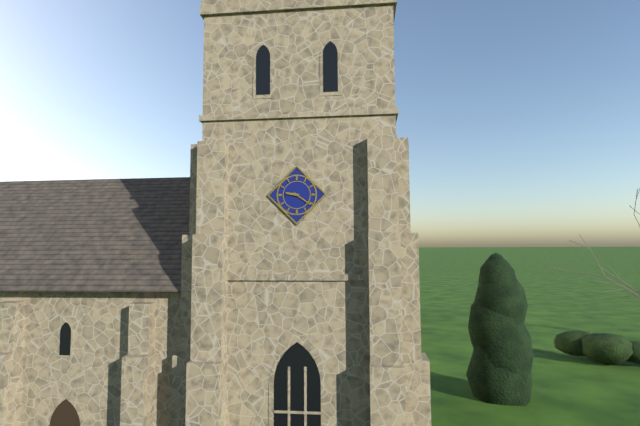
{"hour": 9, "minute": 21}
